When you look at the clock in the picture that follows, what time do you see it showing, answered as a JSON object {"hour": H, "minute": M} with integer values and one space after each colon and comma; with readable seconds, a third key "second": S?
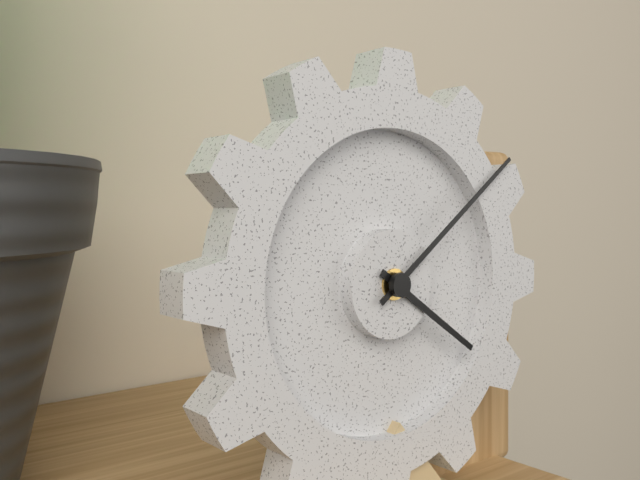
{"hour": 4, "minute": 9}
